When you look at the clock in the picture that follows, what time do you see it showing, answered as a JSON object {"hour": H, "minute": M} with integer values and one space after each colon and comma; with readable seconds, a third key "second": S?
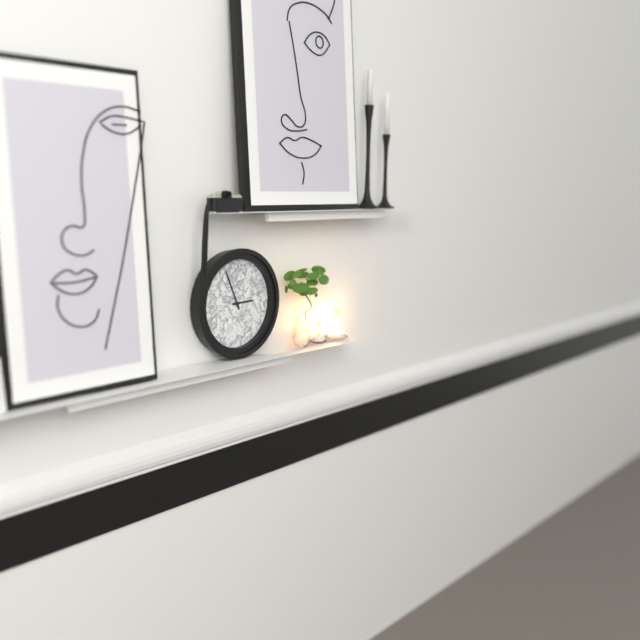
{"hour": 2, "minute": 56}
